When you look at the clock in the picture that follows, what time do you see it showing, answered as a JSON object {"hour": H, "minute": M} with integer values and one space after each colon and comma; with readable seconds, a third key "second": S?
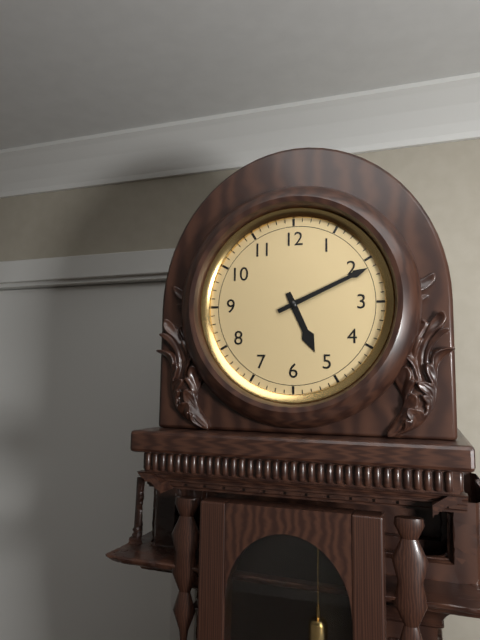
{"hour": 5, "minute": 11}
